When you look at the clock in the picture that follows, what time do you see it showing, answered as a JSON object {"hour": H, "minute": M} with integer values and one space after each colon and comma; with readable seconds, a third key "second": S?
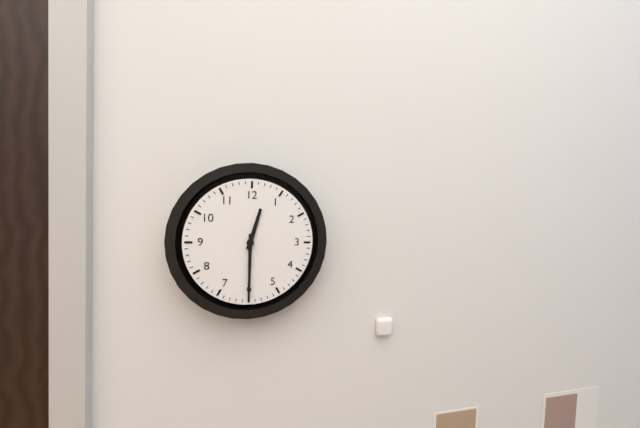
{"hour": 12, "minute": 30}
